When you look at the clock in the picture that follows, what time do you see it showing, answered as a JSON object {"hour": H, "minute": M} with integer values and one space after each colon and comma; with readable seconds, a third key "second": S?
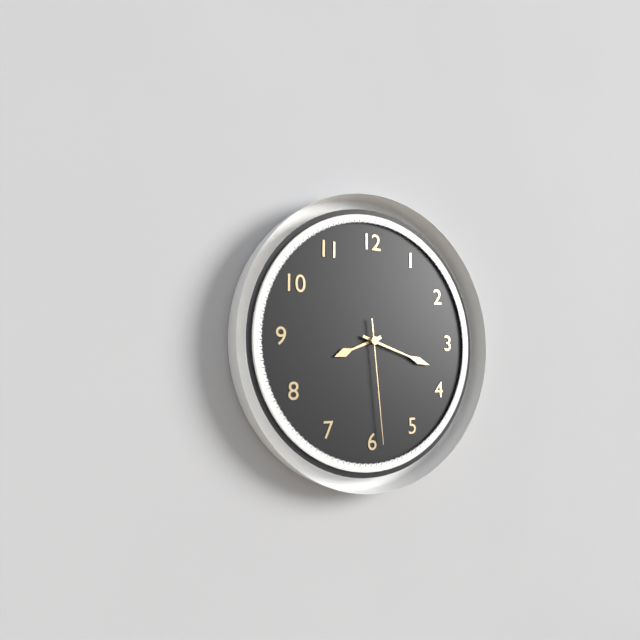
{"hour": 8, "minute": 18, "second": 29}
